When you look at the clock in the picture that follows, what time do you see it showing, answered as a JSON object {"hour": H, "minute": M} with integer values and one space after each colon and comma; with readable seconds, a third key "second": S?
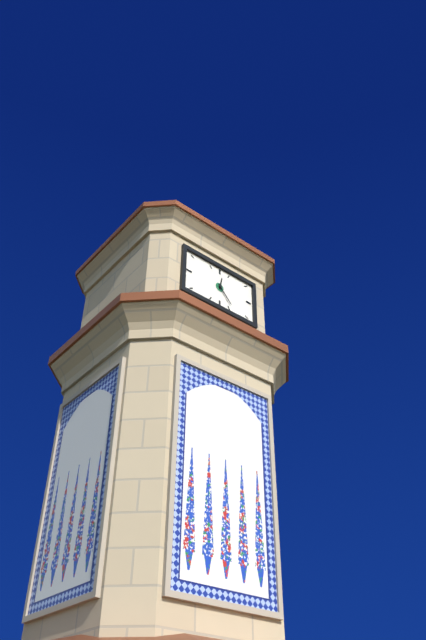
{"hour": 12, "minute": 23}
